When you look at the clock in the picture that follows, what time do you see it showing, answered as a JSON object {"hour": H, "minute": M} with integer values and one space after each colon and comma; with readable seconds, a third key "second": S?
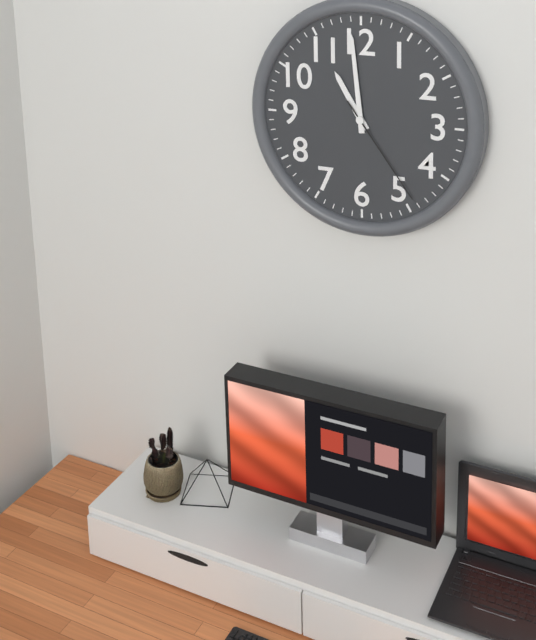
{"hour": 10, "minute": 59, "second": 24}
